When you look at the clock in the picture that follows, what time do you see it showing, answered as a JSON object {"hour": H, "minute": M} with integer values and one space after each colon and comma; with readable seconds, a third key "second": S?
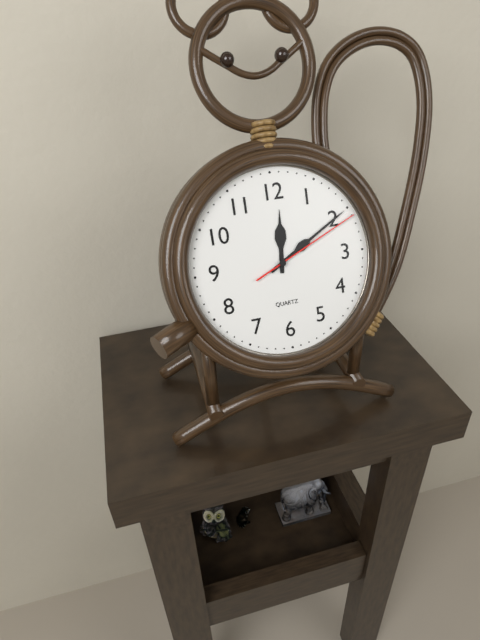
{"hour": 12, "minute": 10, "second": 11}
